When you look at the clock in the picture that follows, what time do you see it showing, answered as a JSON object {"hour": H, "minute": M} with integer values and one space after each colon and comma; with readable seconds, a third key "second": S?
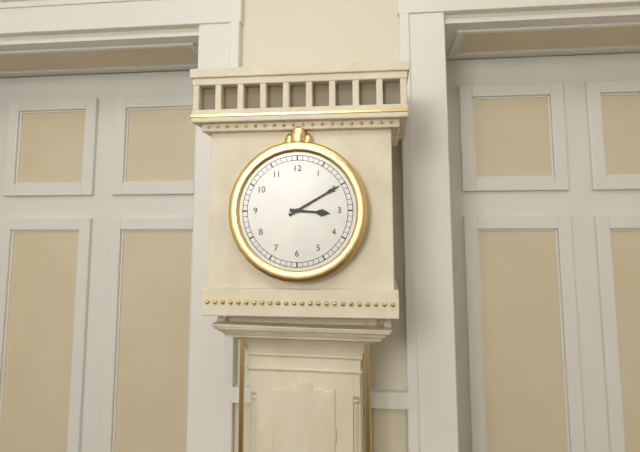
{"hour": 3, "minute": 10}
